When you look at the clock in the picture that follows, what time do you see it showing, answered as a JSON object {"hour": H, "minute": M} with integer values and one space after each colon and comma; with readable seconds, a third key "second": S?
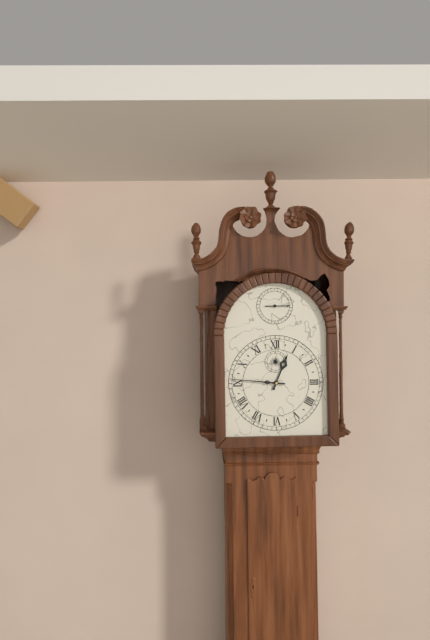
{"hour": 12, "minute": 46}
